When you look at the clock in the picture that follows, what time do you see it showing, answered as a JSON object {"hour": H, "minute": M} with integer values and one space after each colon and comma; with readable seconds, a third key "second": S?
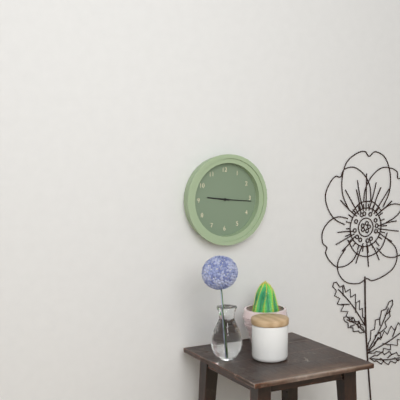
{"hour": 9, "minute": 16}
